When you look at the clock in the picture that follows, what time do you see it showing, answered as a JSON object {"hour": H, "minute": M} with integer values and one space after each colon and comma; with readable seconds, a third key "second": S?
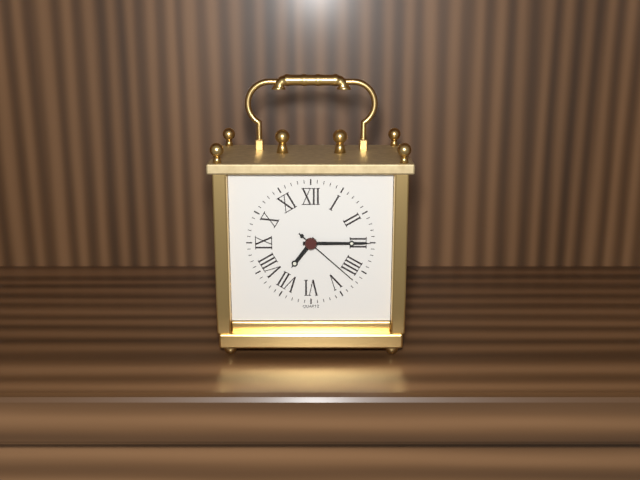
{"hour": 7, "minute": 15, "second": 22}
